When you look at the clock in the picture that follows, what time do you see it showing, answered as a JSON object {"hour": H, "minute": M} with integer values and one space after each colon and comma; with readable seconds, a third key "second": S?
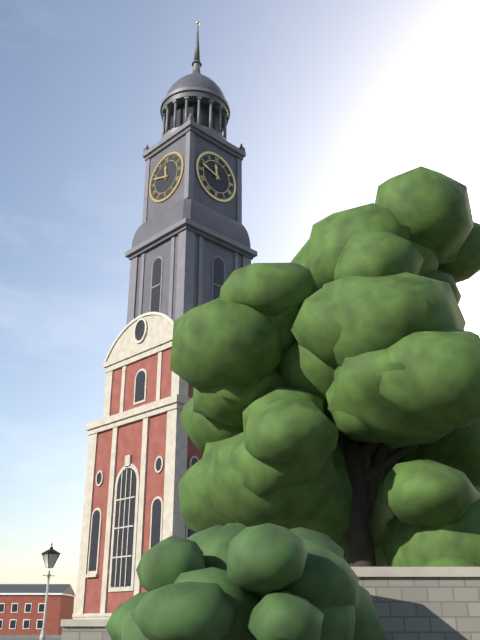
{"hour": 11, "minute": 48}
